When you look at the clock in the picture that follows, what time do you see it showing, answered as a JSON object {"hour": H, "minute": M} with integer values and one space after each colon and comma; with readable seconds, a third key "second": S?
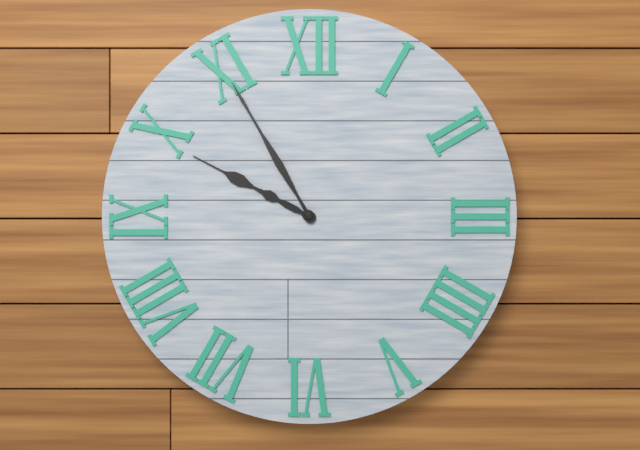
{"hour": 9, "minute": 55}
